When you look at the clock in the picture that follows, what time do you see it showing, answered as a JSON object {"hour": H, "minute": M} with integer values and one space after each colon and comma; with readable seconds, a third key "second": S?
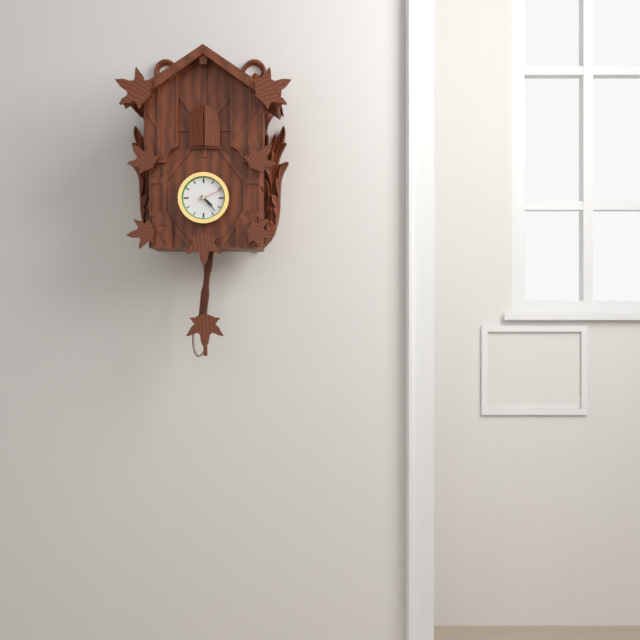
{"hour": 4, "minute": 23}
